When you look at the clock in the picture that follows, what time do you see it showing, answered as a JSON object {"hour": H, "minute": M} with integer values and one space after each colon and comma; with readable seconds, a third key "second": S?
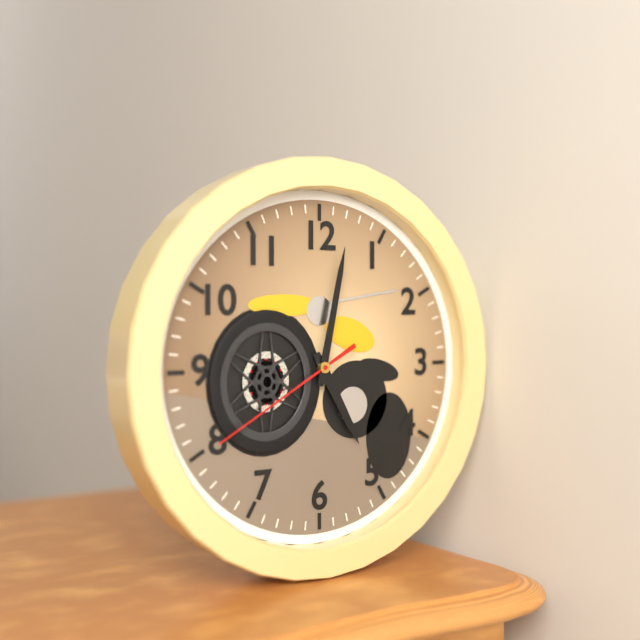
{"hour": 5, "minute": 2, "second": 40}
